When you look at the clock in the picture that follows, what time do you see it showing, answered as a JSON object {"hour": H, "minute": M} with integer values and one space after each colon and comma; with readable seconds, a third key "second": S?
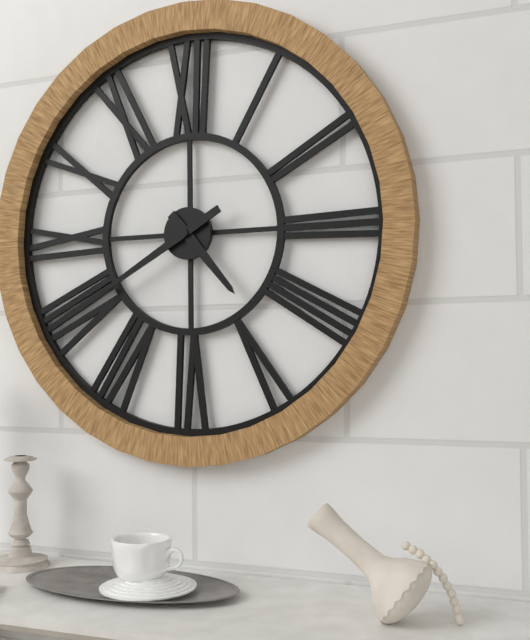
{"hour": 4, "minute": 40}
